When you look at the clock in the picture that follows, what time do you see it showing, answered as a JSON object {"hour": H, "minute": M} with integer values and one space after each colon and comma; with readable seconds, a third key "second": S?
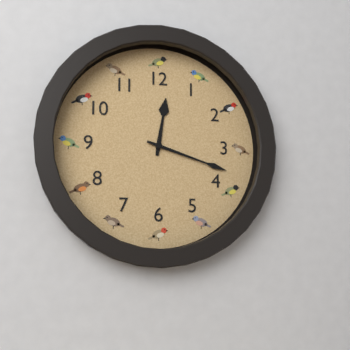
{"hour": 12, "minute": 18}
